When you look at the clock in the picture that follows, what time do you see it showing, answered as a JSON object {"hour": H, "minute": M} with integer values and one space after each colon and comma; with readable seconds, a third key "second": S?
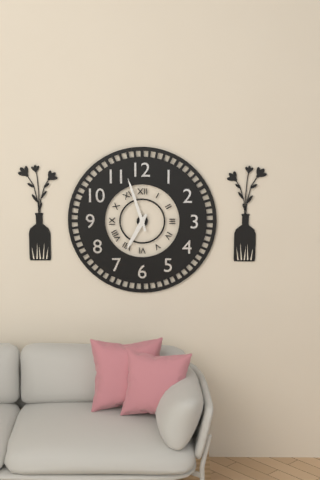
{"hour": 6, "minute": 57}
